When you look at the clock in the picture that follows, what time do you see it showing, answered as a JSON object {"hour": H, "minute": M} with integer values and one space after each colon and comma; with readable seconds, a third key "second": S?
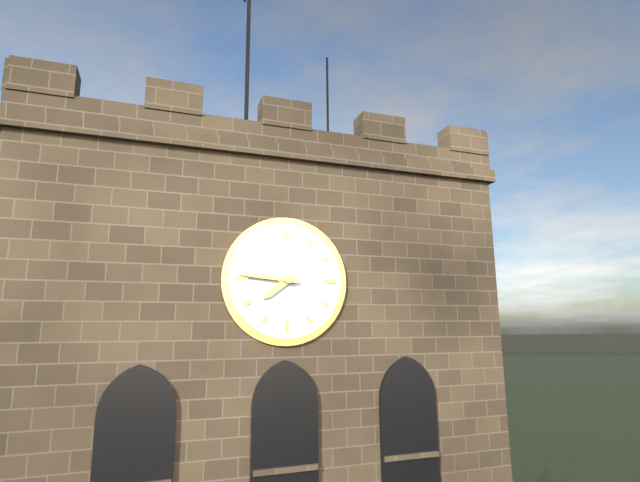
{"hour": 7, "minute": 46}
